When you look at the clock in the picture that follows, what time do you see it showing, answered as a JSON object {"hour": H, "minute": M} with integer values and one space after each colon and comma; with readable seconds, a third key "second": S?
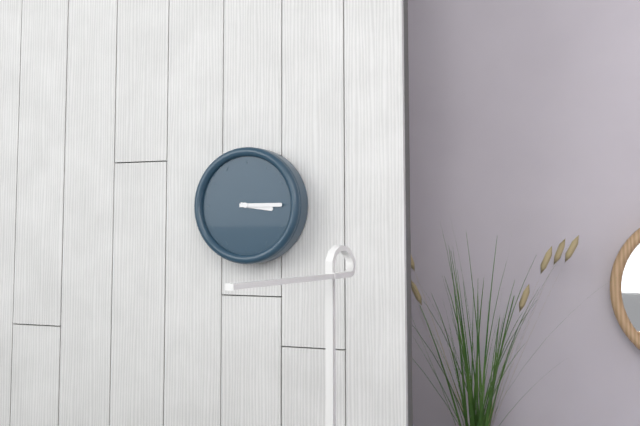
{"hour": 3, "minute": 15}
